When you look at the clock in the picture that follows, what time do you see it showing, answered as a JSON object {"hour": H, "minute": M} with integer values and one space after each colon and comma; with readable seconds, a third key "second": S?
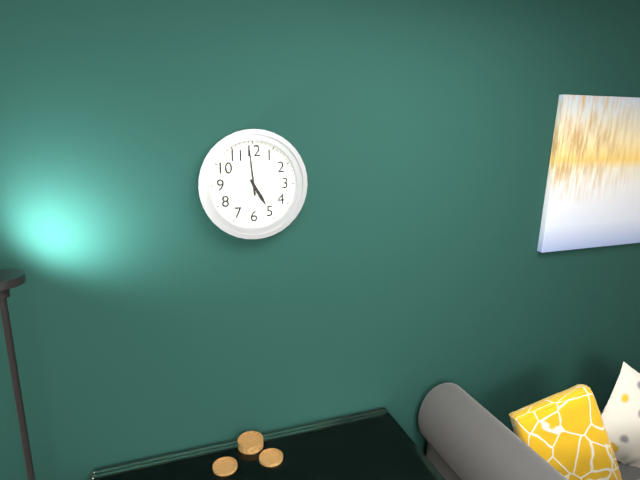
{"hour": 4, "minute": 59}
